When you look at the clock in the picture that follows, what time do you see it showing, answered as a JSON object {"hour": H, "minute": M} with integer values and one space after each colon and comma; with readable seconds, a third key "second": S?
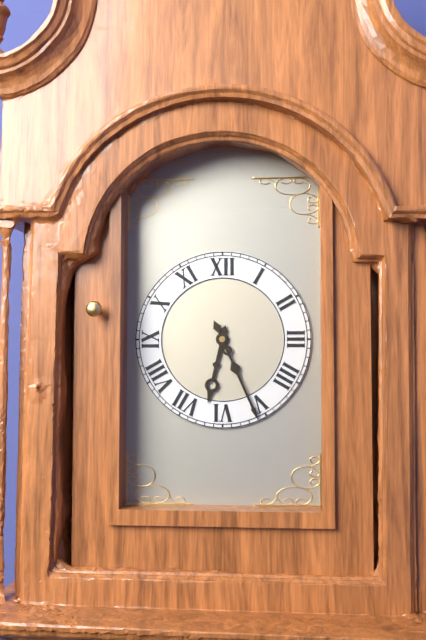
{"hour": 6, "minute": 26}
